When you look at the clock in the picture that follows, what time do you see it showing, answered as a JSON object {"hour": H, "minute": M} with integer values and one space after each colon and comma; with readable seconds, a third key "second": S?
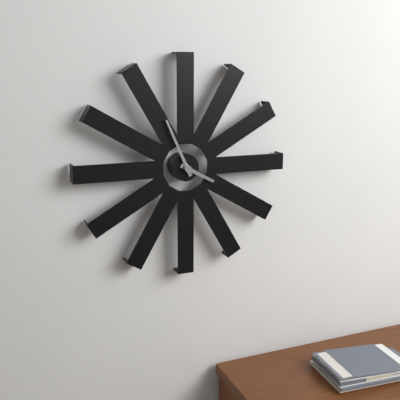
{"hour": 3, "minute": 56}
